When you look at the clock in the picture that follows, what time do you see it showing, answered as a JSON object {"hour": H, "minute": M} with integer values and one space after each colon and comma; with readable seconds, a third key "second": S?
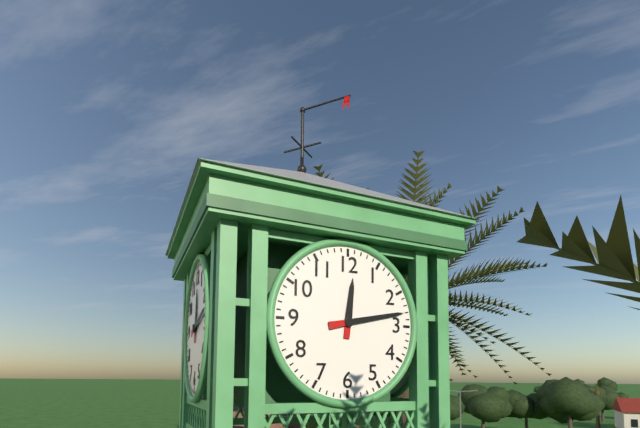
{"hour": 12, "minute": 13}
